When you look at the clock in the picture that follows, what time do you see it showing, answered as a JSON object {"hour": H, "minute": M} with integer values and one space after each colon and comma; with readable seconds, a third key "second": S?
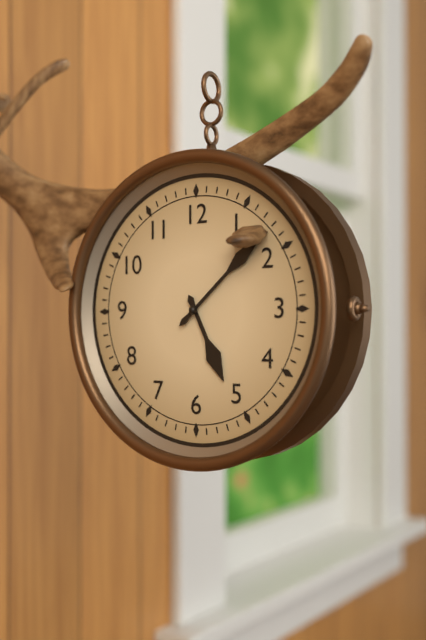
{"hour": 5, "minute": 8}
